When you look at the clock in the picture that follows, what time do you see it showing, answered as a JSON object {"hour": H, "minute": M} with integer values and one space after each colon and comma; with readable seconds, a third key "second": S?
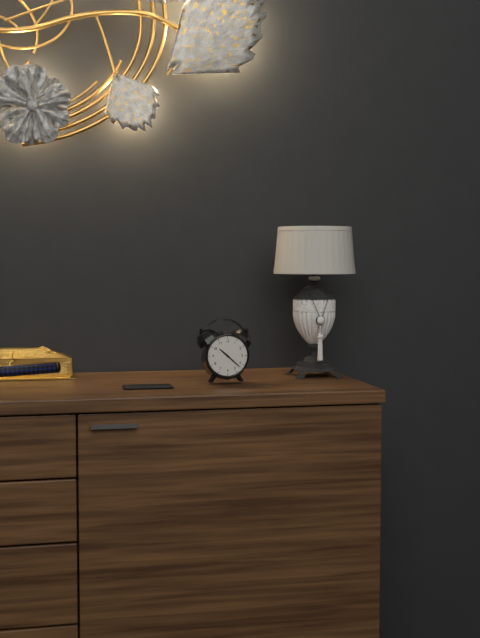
{"hour": 10, "minute": 22}
